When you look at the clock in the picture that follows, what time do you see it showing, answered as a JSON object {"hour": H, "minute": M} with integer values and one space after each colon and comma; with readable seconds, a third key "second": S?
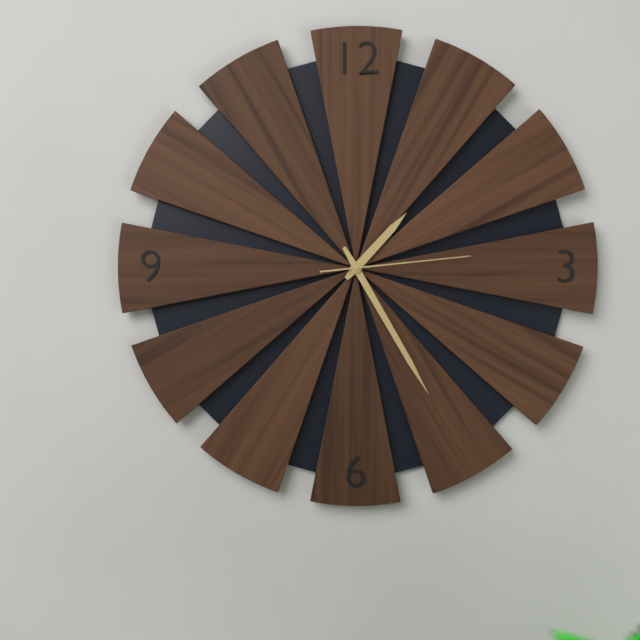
{"hour": 1, "minute": 25, "second": 14}
